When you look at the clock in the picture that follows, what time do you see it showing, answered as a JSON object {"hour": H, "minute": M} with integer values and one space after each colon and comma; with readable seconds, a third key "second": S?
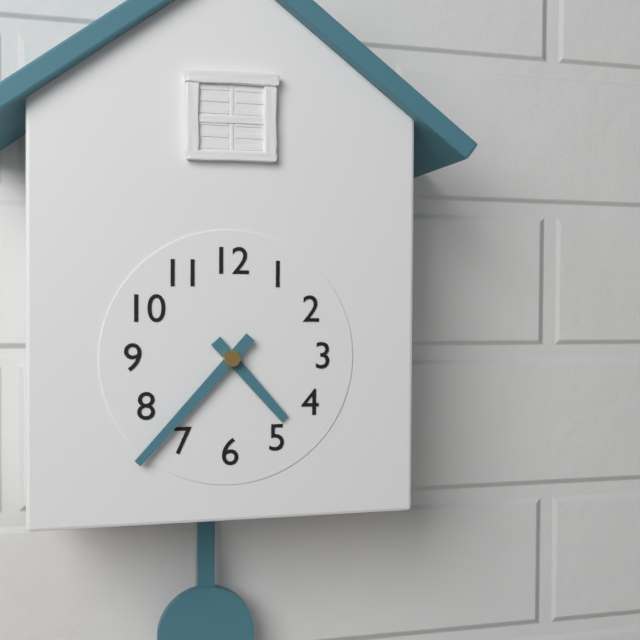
{"hour": 4, "minute": 37}
